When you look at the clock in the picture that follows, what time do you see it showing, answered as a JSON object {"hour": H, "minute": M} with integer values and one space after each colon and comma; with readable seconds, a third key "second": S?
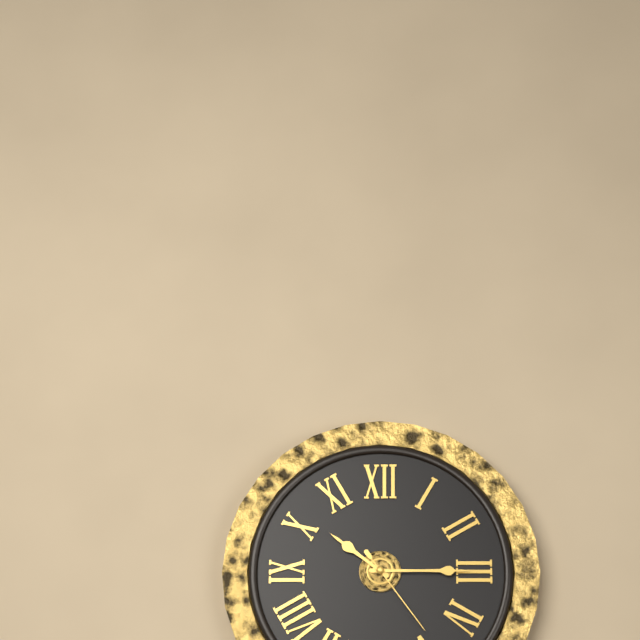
{"hour": 10, "minute": 15, "second": 24}
